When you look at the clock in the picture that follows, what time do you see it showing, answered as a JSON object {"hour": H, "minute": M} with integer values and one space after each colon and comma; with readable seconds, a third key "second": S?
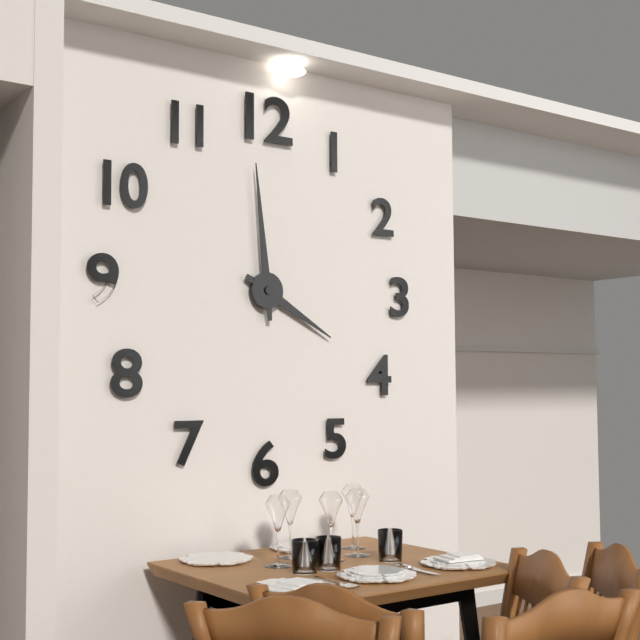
{"hour": 3, "minute": 59}
